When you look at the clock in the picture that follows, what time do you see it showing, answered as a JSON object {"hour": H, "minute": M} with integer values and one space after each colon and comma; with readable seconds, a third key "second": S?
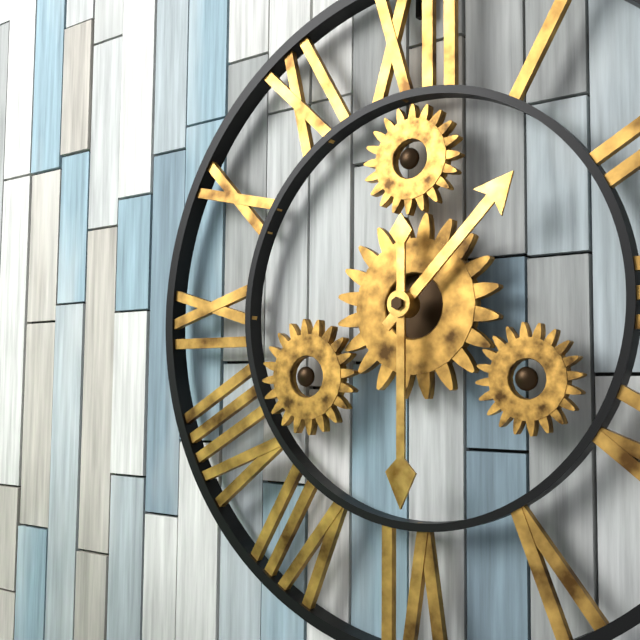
{"hour": 1, "minute": 30}
